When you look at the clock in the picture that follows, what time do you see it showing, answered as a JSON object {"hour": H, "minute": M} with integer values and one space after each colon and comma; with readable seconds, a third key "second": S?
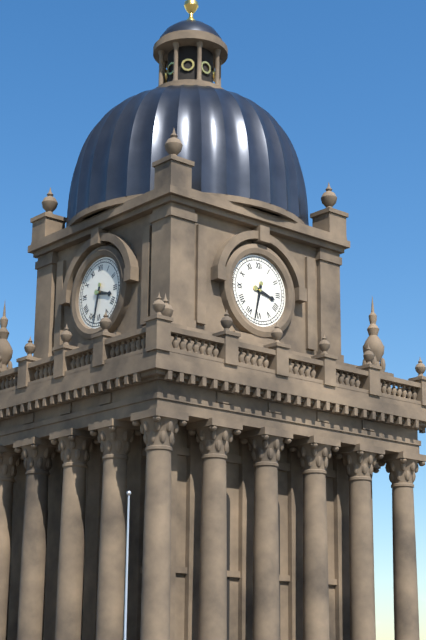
{"hour": 3, "minute": 32}
